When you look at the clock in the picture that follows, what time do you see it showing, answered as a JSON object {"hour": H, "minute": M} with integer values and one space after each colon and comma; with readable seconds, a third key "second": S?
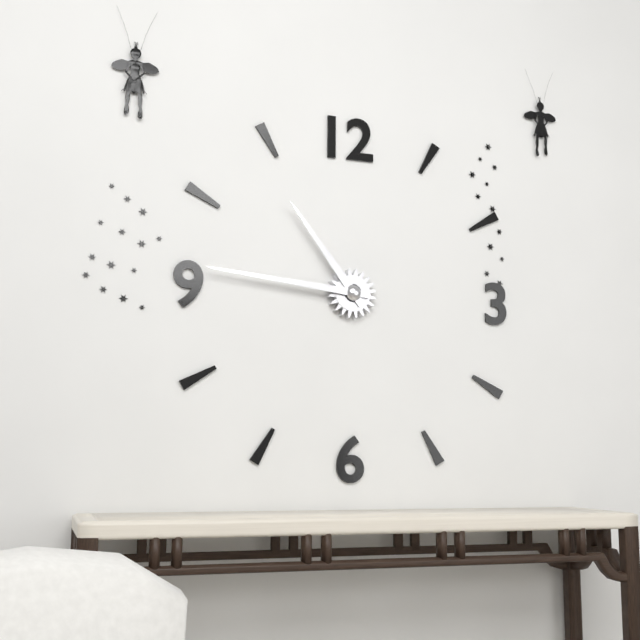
{"hour": 10, "minute": 46}
